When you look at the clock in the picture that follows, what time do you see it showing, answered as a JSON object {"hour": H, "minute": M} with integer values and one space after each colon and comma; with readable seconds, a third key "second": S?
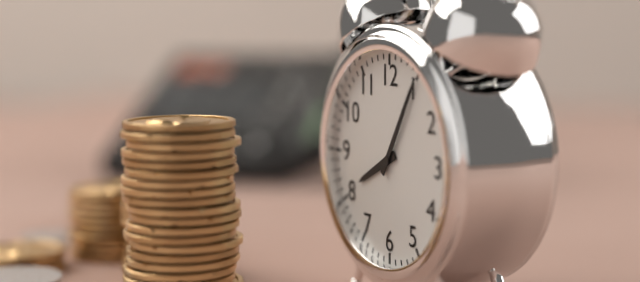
{"hour": 8, "minute": 5}
